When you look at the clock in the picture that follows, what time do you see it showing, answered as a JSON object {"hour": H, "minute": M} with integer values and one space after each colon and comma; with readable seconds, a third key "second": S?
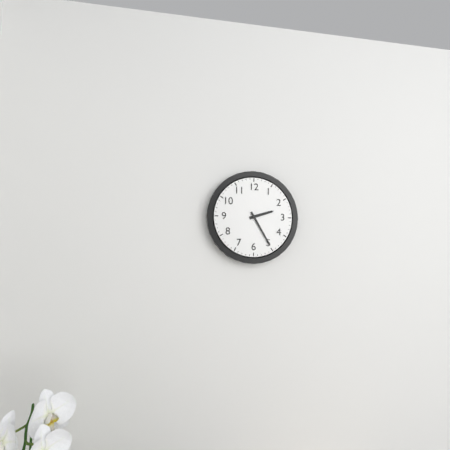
{"hour": 2, "minute": 25}
